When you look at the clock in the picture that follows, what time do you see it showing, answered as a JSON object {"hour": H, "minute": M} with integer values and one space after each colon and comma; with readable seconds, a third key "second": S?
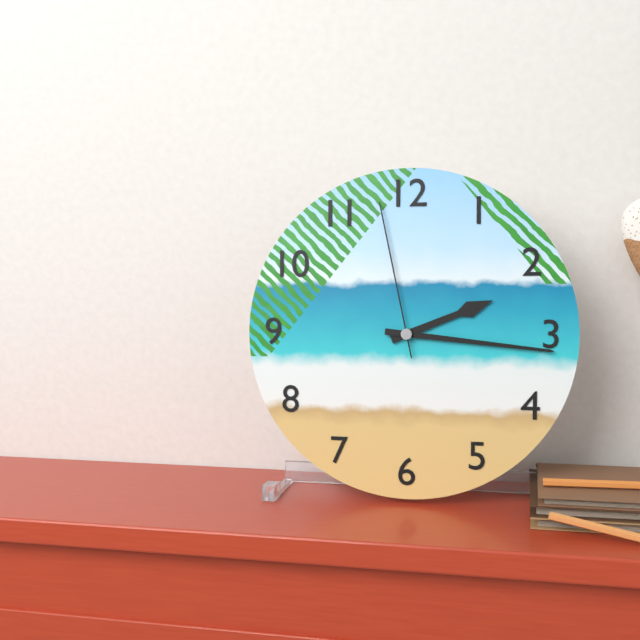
{"hour": 2, "minute": 16, "second": 58}
